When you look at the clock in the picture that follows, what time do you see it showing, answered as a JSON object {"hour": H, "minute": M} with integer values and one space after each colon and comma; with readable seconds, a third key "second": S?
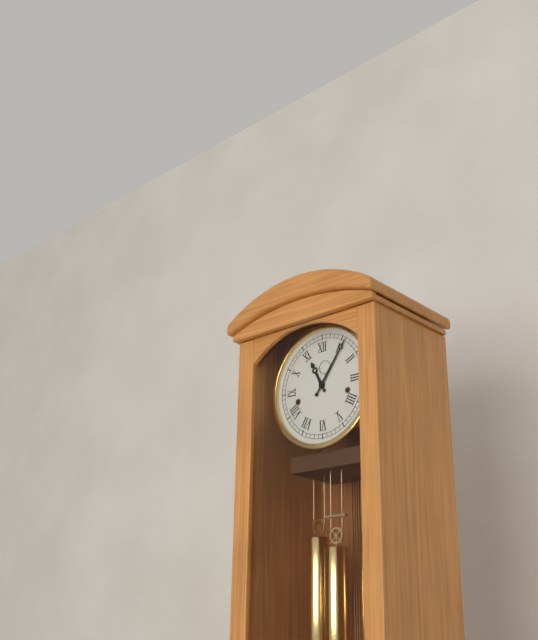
{"hour": 11, "minute": 6}
